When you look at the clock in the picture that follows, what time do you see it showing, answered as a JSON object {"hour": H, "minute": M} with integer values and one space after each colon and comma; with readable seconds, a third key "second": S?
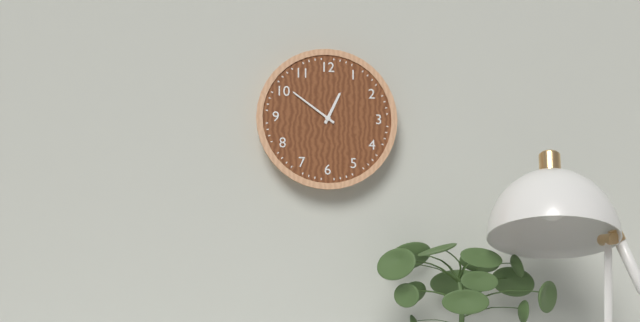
{"hour": 12, "minute": 51}
